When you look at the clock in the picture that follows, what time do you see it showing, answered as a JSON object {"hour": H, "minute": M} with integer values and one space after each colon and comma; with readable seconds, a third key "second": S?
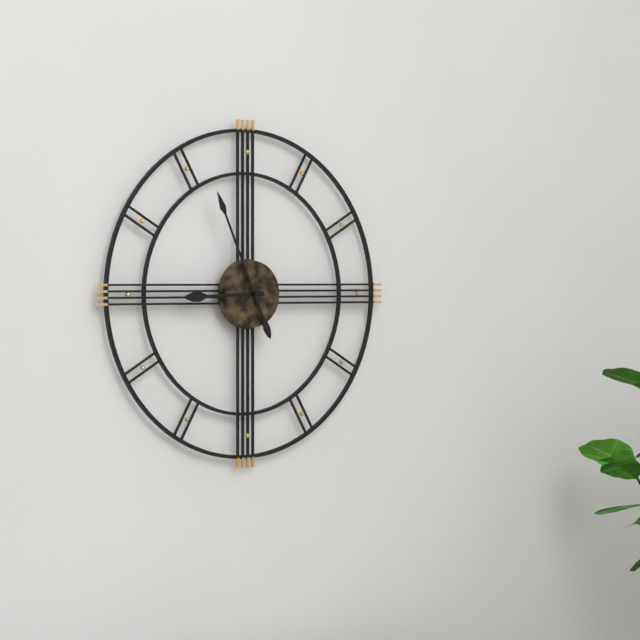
{"hour": 8, "minute": 56}
